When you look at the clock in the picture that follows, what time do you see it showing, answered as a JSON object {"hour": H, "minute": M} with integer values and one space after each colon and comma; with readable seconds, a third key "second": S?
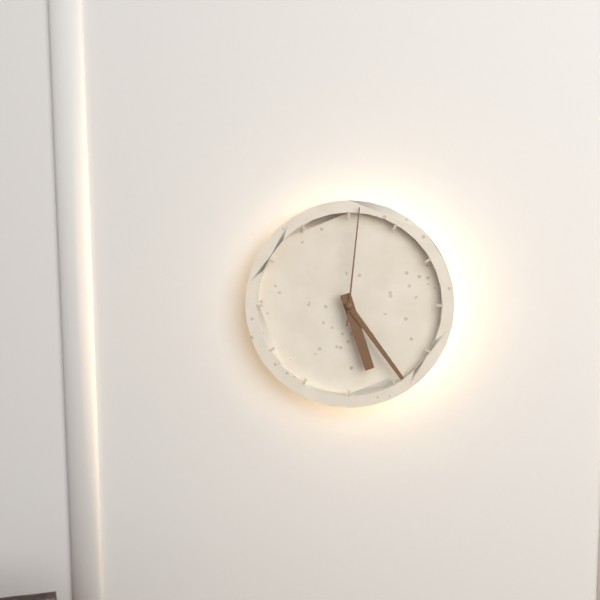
{"hour": 5, "minute": 24, "second": 1}
